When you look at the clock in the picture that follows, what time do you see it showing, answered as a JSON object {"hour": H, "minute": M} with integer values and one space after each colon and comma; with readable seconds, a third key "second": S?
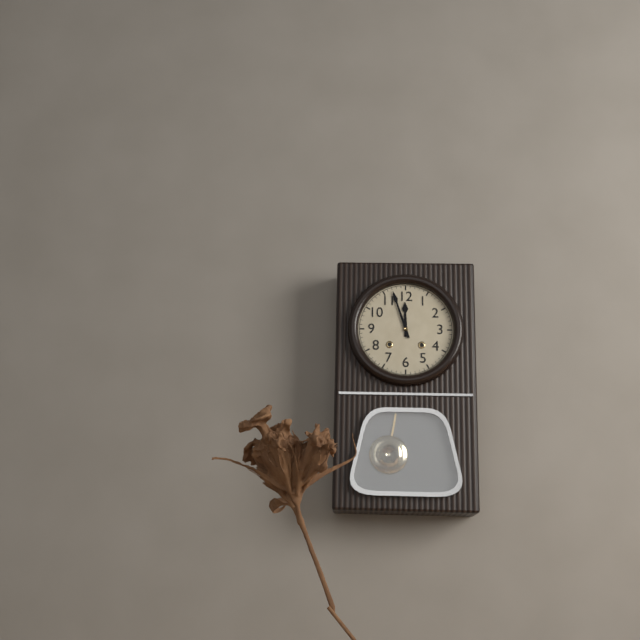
{"hour": 11, "minute": 57}
